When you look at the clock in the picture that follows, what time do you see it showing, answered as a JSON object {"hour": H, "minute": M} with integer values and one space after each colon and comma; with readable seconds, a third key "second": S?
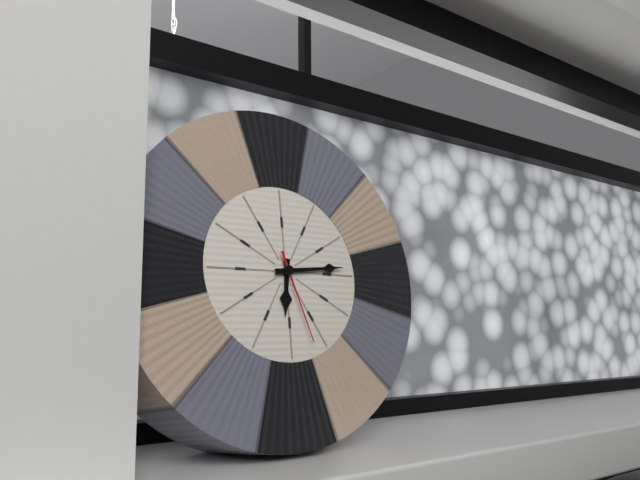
{"hour": 6, "minute": 14, "second": 27}
